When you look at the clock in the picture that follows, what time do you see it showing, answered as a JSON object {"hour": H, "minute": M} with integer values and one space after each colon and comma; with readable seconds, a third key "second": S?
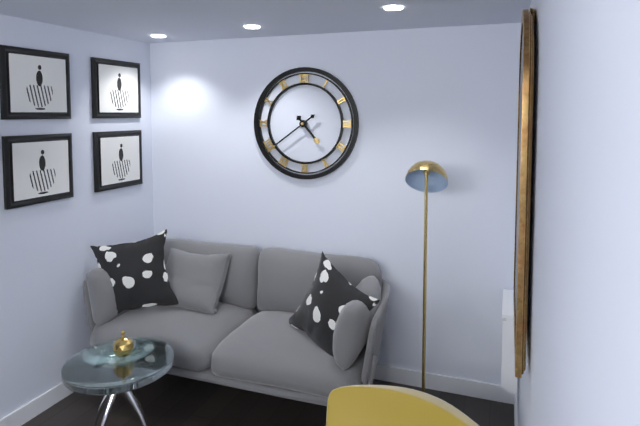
{"hour": 4, "minute": 39}
